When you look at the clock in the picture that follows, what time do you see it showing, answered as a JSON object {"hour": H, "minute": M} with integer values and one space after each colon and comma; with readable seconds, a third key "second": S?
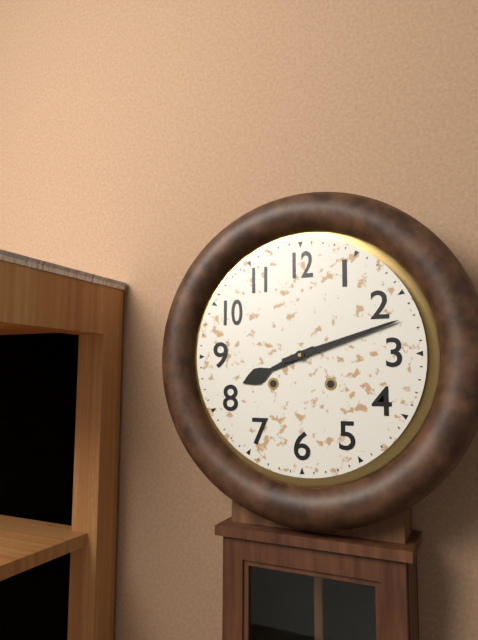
{"hour": 8, "minute": 12}
